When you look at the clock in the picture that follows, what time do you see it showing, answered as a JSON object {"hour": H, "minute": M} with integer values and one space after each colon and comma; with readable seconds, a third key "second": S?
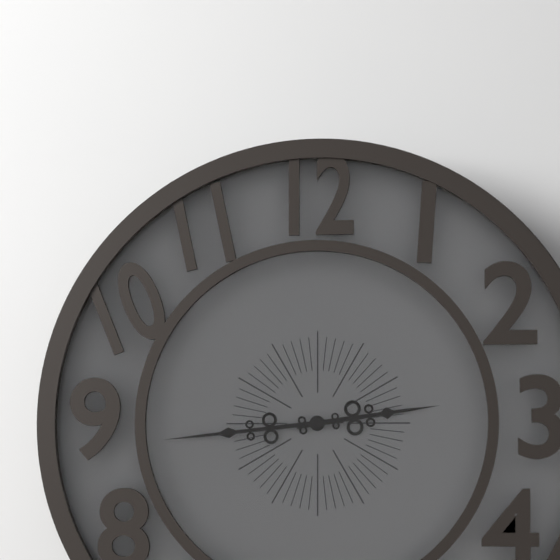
{"hour": 2, "minute": 44}
